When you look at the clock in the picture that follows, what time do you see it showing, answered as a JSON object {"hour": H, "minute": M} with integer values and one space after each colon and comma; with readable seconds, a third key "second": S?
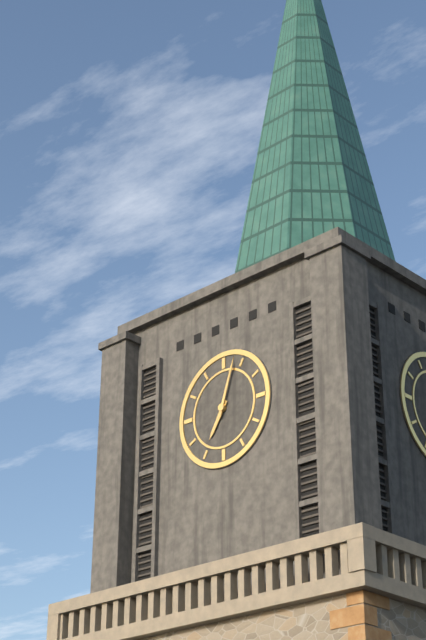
{"hour": 7, "minute": 3}
